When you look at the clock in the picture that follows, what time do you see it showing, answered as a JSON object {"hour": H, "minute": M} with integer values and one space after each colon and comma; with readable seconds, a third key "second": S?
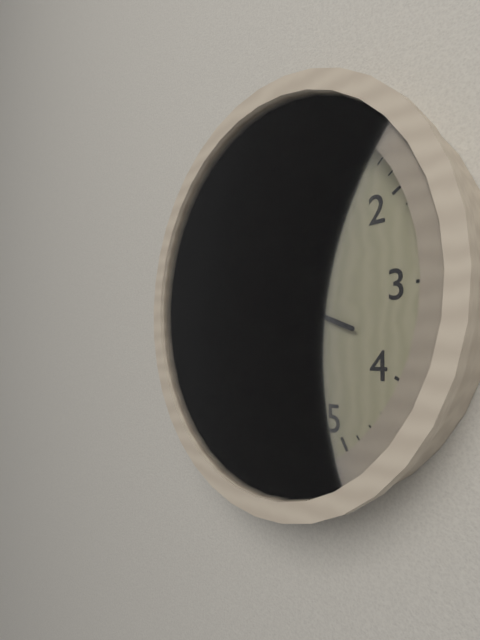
{"hour": 3, "minute": 41, "second": 2}
